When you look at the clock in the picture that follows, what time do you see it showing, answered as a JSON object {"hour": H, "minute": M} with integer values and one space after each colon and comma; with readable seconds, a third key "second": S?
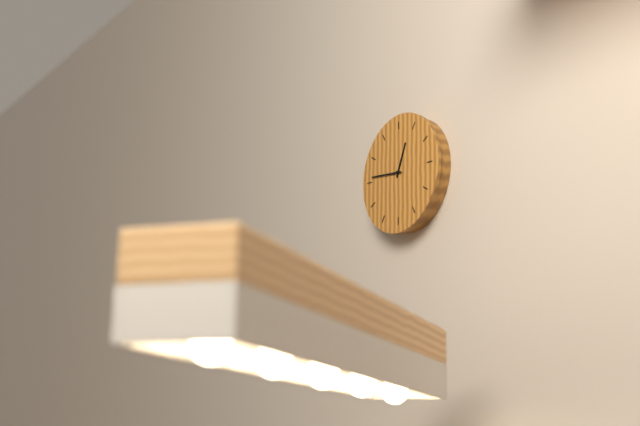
{"hour": 12, "minute": 46}
